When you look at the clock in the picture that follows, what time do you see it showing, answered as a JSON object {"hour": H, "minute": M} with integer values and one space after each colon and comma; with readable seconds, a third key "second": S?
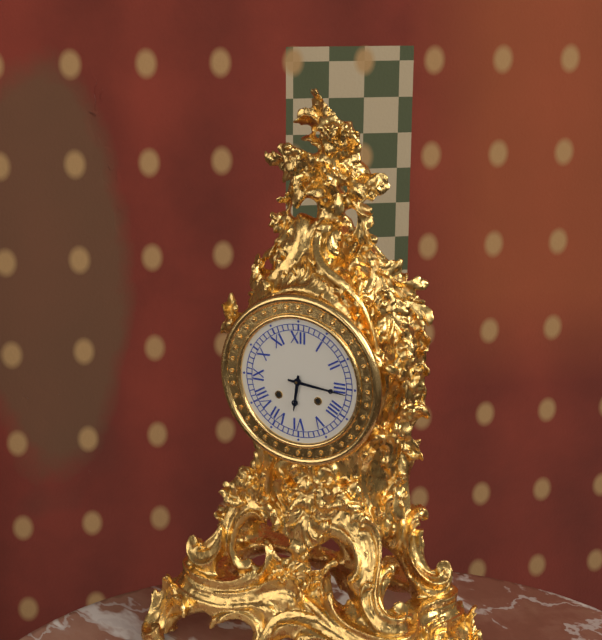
{"hour": 6, "minute": 16}
